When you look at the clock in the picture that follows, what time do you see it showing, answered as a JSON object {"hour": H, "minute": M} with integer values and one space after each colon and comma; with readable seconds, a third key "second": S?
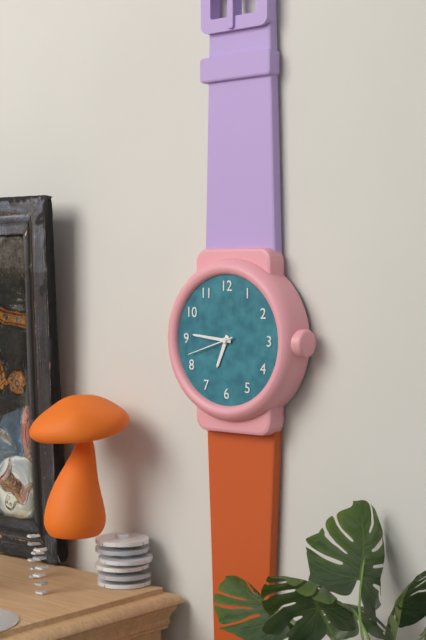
{"hour": 6, "minute": 46}
